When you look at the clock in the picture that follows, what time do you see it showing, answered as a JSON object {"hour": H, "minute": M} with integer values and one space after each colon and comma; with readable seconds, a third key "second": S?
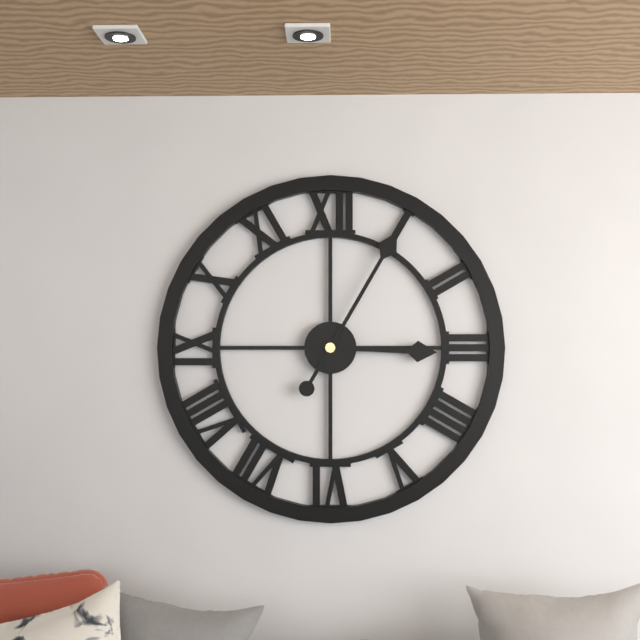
{"hour": 3, "minute": 5}
